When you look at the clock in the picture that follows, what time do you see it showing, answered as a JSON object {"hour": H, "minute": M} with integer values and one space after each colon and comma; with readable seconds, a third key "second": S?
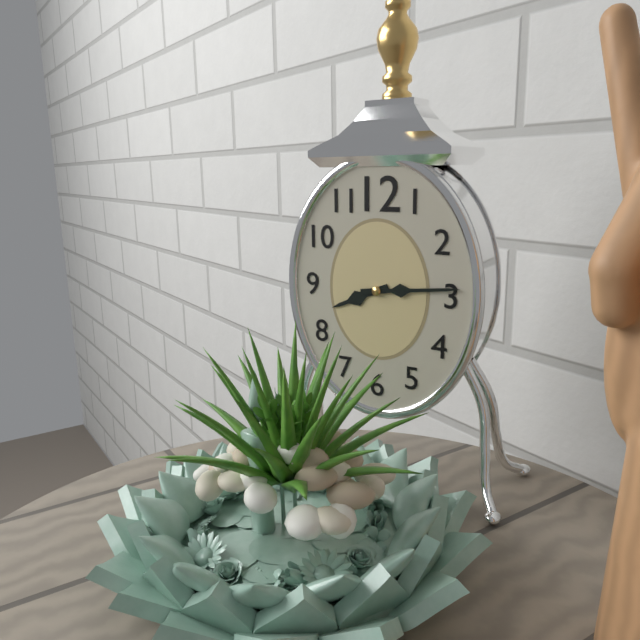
{"hour": 8, "minute": 14}
